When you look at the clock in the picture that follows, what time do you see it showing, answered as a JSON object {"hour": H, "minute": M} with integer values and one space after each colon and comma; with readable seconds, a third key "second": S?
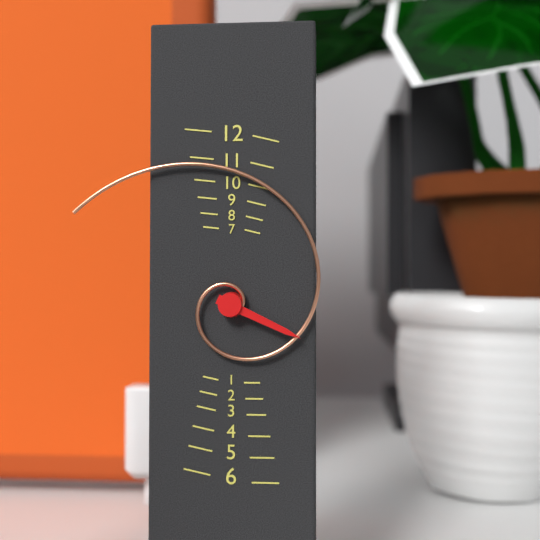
{"hour": 3, "minute": 50}
